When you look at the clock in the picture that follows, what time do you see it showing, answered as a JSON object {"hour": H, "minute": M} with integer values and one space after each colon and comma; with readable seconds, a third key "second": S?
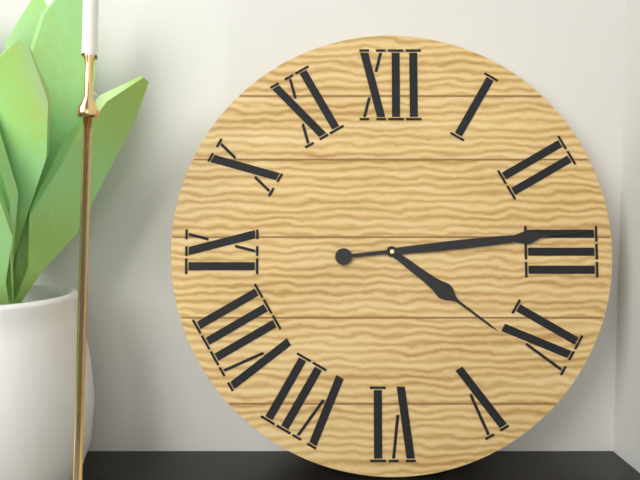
{"hour": 4, "minute": 14}
